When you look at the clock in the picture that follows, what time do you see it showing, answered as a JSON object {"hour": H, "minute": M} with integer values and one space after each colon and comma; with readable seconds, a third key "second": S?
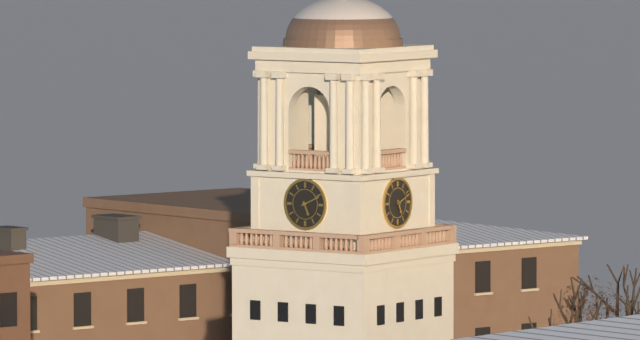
{"hour": 5, "minute": 11}
